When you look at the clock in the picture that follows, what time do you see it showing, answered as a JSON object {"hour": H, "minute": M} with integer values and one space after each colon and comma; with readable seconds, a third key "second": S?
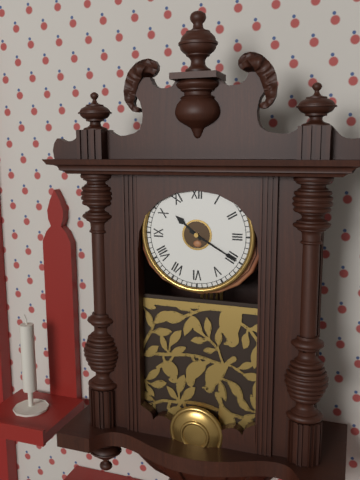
{"hour": 10, "minute": 20}
